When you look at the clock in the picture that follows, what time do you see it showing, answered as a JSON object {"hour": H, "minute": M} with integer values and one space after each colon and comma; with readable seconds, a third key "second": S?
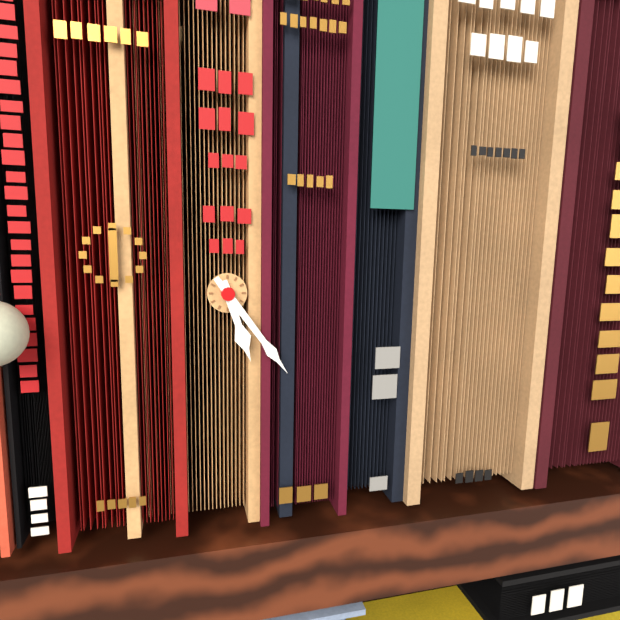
{"hour": 5, "minute": 24}
